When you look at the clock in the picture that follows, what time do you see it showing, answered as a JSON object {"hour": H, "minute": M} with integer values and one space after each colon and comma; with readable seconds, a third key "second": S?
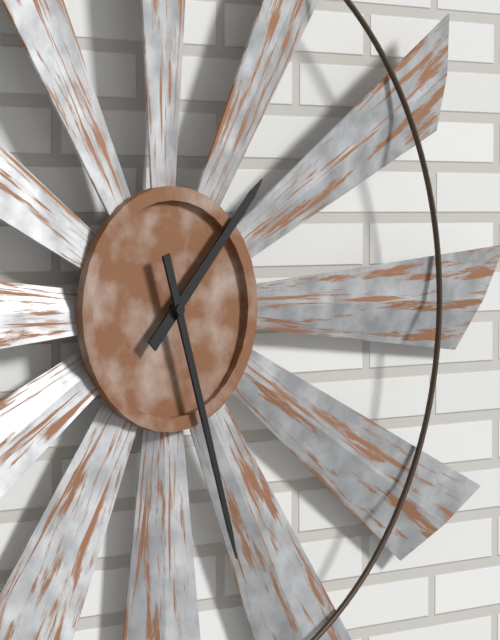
{"hour": 1, "minute": 27}
